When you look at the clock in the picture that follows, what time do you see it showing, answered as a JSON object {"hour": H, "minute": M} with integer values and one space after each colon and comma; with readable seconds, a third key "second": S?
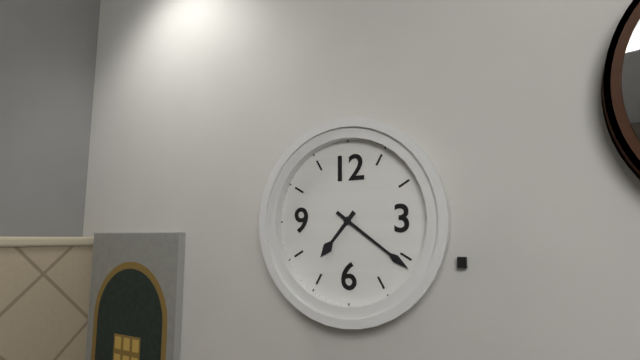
{"hour": 7, "minute": 21}
